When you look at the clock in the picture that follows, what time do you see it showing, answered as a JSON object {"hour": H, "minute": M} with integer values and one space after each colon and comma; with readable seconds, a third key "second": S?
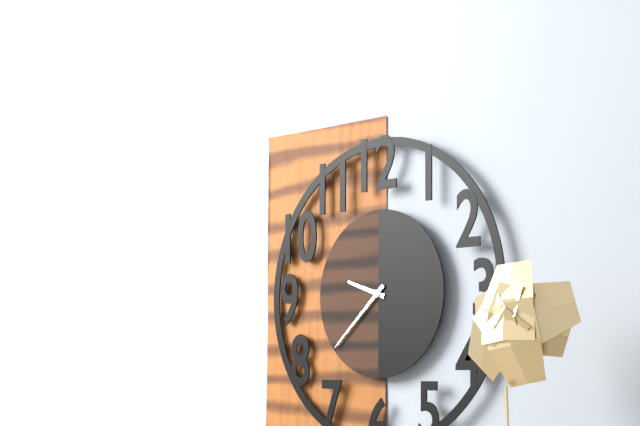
{"hour": 9, "minute": 38}
